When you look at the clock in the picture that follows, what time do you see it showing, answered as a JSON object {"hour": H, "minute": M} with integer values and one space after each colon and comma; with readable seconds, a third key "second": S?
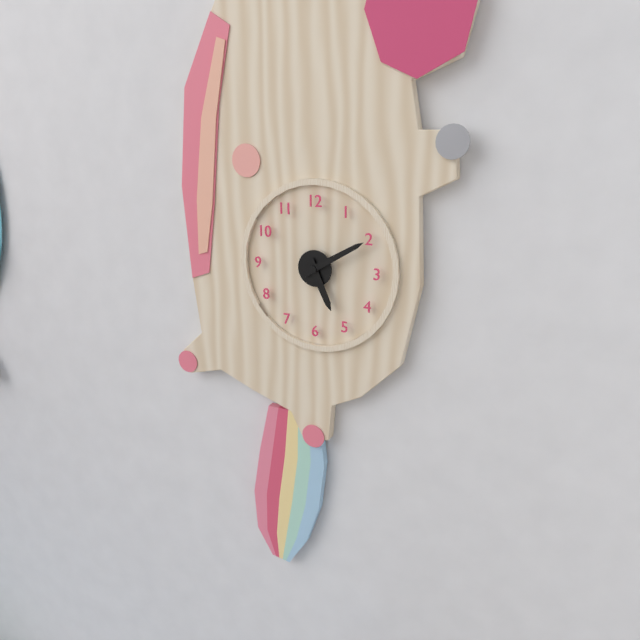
{"hour": 5, "minute": 10}
